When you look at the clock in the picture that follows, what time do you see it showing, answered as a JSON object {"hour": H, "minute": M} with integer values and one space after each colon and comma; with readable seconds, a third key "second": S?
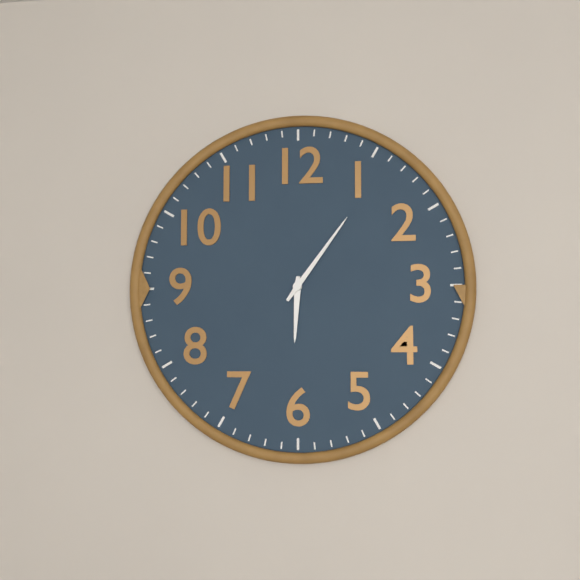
{"hour": 6, "minute": 6}
